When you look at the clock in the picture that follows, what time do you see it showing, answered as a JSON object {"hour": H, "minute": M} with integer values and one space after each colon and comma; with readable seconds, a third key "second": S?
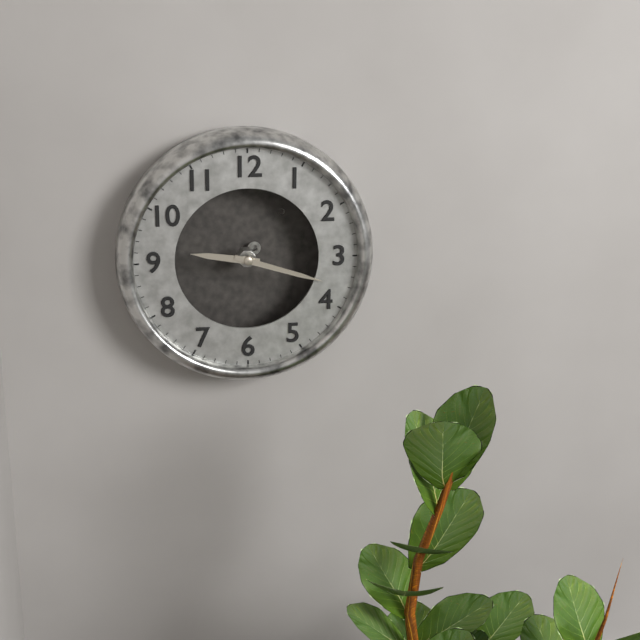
{"hour": 9, "minute": 18}
